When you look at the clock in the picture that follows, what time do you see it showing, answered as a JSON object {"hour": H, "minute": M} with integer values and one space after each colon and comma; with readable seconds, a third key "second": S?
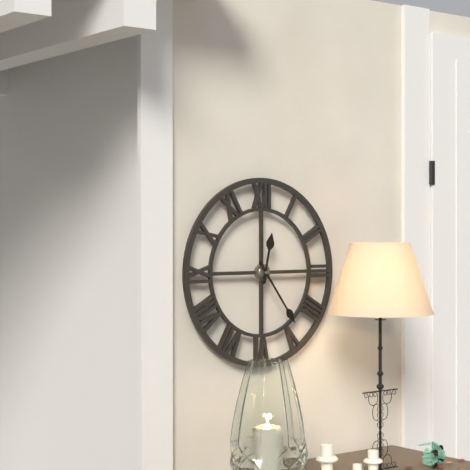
{"hour": 12, "minute": 24}
